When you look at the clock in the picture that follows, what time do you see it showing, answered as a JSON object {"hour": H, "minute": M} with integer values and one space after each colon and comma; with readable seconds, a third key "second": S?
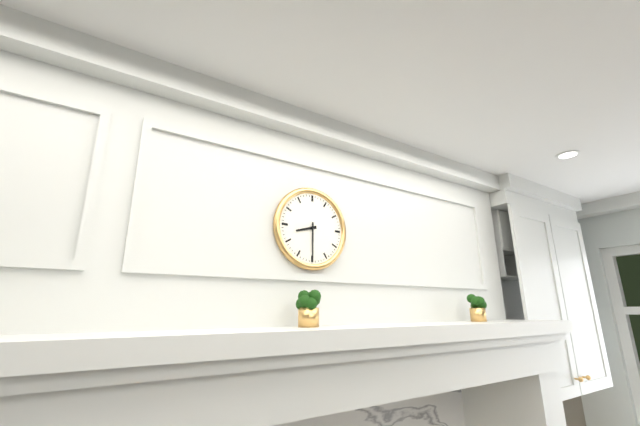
{"hour": 8, "minute": 30}
